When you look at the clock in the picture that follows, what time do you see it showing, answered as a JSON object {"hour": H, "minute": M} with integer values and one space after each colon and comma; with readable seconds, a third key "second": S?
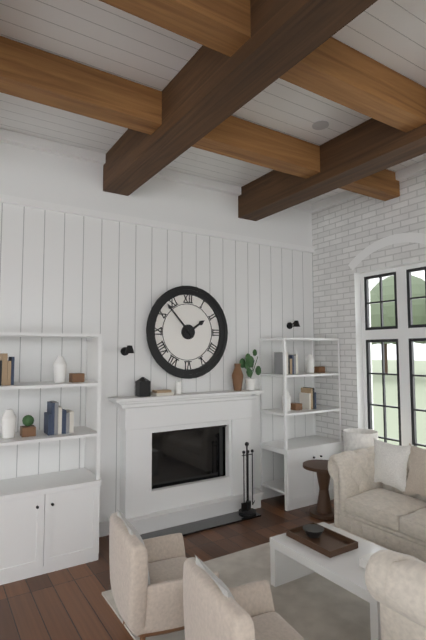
{"hour": 1, "minute": 53}
